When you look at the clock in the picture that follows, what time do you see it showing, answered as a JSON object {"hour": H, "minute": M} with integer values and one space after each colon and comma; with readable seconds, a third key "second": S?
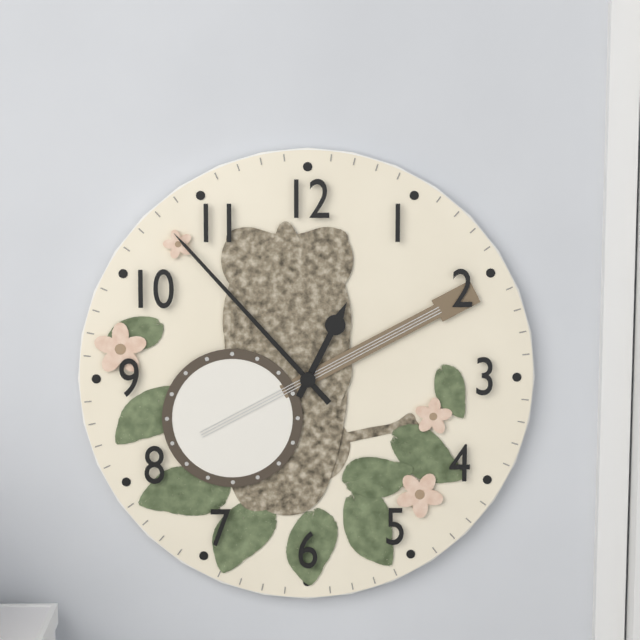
{"hour": 12, "minute": 53}
